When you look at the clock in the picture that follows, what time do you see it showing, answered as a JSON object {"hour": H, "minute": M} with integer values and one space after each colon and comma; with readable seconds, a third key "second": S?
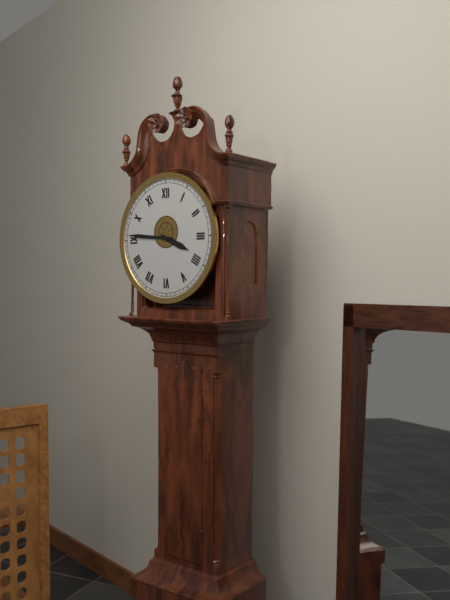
{"hour": 3, "minute": 46}
